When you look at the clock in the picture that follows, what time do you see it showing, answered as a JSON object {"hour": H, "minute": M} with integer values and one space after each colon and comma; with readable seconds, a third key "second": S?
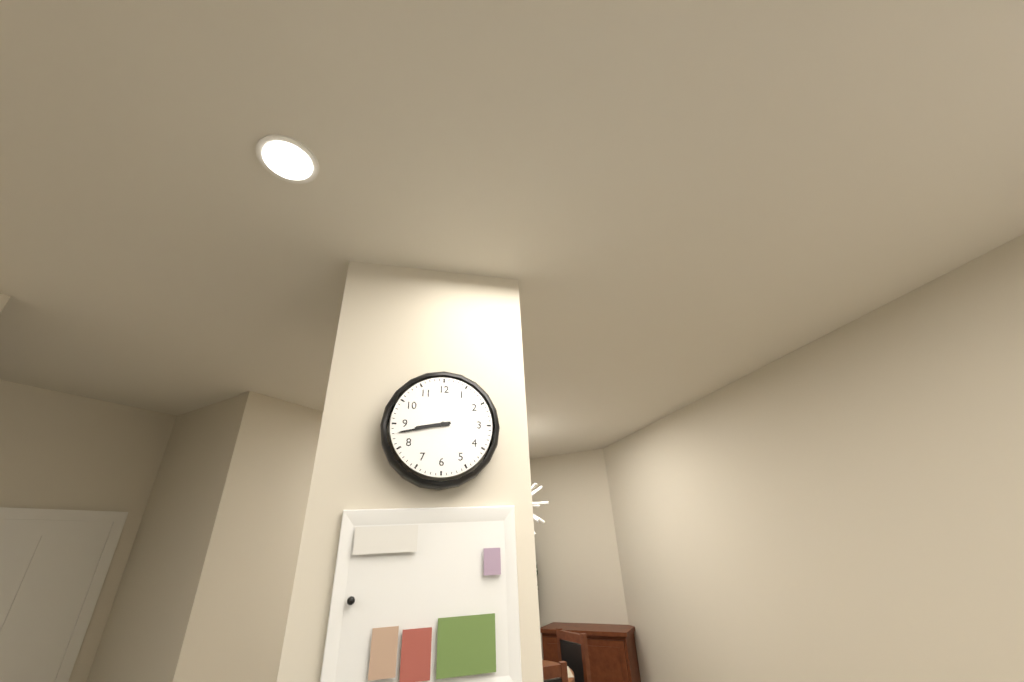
{"hour": 8, "minute": 43}
